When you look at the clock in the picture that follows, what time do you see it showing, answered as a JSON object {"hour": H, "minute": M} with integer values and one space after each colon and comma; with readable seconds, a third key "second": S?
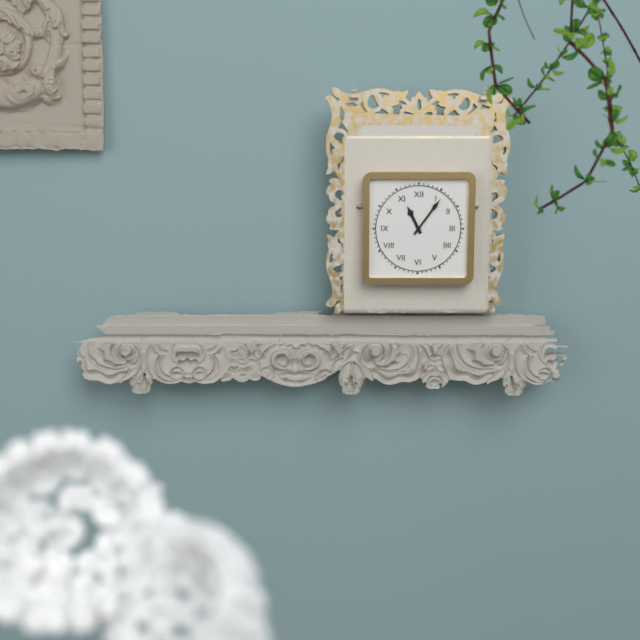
{"hour": 11, "minute": 6}
